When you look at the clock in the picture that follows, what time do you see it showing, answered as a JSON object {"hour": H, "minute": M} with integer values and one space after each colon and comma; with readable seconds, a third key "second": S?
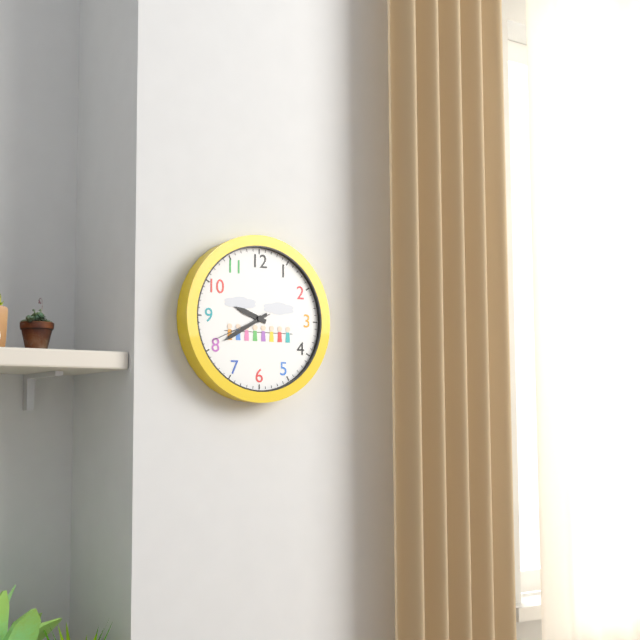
{"hour": 9, "minute": 40, "second": 41}
